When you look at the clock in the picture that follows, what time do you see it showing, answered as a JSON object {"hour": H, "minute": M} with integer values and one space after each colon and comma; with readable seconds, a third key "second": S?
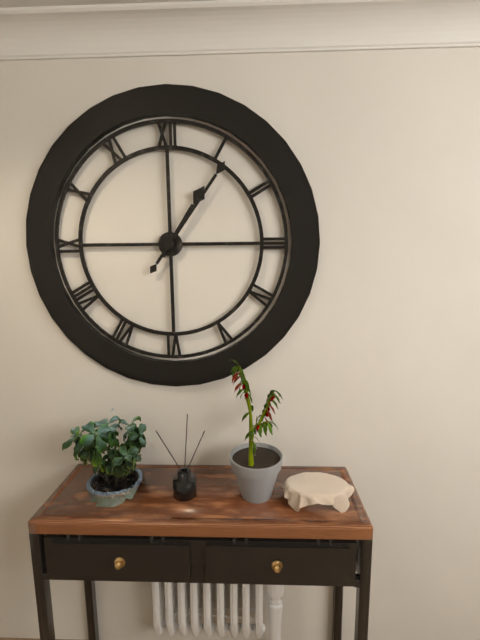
{"hour": 1, "minute": 6}
